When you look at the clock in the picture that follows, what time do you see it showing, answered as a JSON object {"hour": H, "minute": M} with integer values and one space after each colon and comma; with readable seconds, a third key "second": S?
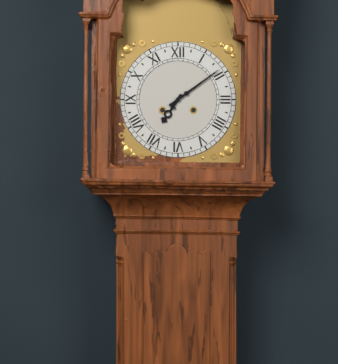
{"hour": 7, "minute": 9}
